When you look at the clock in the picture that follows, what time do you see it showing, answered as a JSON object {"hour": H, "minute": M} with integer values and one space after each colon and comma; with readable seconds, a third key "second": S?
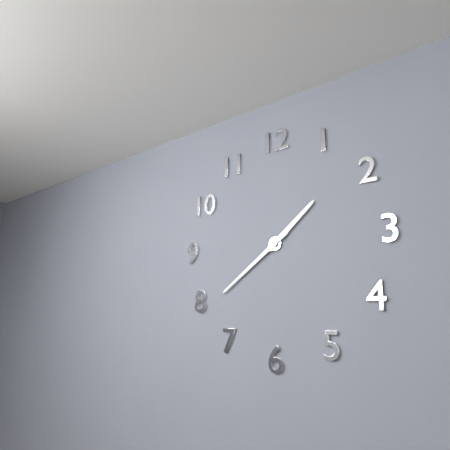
{"hour": 1, "minute": 39}
